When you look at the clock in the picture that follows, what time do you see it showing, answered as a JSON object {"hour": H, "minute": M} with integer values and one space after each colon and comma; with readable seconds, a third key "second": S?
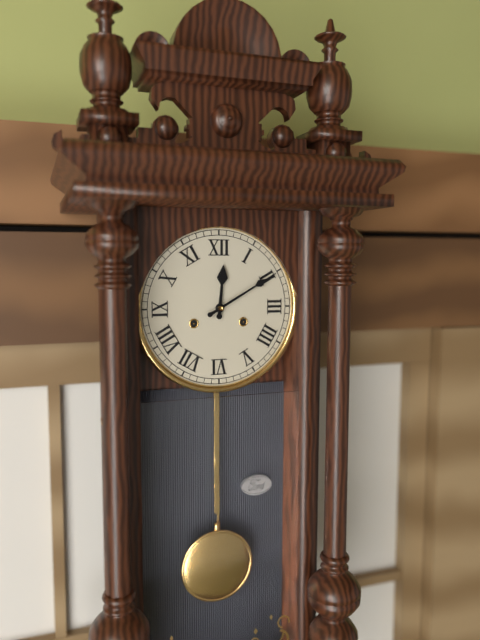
{"hour": 12, "minute": 10}
